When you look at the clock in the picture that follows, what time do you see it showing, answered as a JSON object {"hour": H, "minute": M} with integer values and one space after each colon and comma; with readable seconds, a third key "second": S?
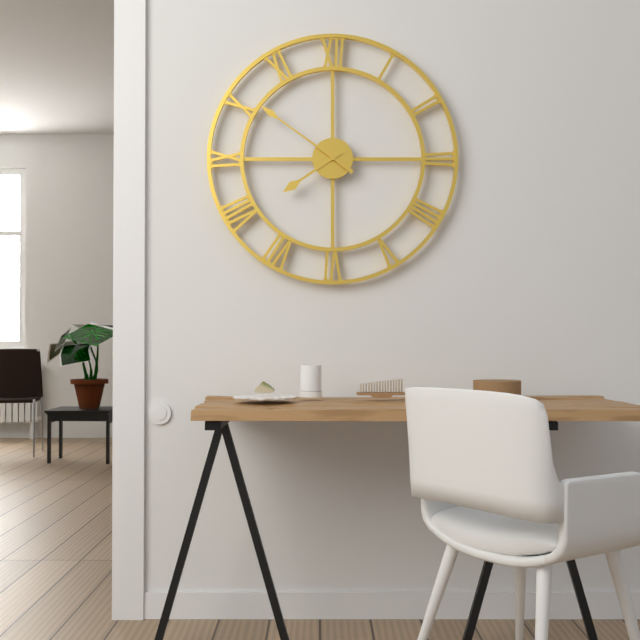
{"hour": 7, "minute": 51}
